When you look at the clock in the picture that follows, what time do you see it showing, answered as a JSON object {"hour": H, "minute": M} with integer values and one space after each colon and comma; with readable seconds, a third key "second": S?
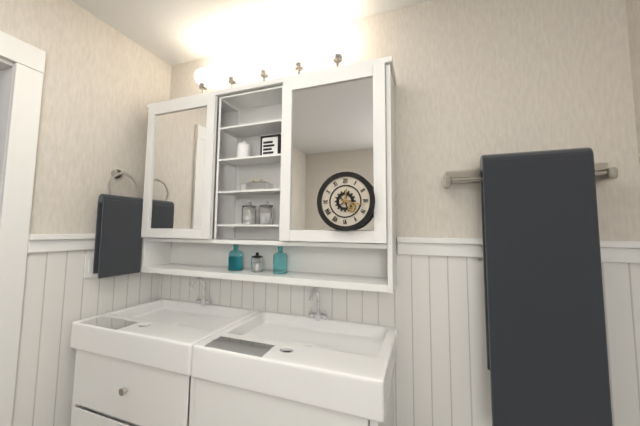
{"hour": 12, "minute": 17}
